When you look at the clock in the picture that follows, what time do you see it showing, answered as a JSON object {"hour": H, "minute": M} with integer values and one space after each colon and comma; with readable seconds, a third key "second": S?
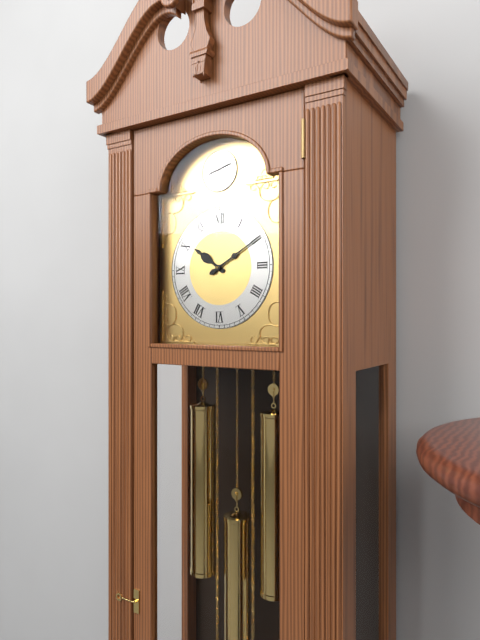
{"hour": 10, "minute": 10}
